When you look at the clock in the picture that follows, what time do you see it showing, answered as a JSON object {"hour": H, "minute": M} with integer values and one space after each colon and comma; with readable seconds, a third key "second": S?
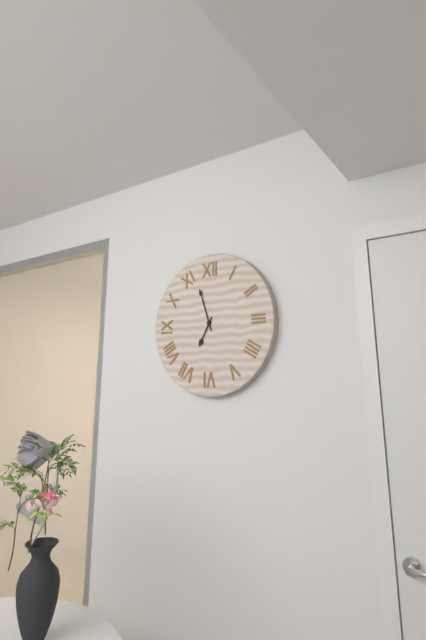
{"hour": 6, "minute": 57}
